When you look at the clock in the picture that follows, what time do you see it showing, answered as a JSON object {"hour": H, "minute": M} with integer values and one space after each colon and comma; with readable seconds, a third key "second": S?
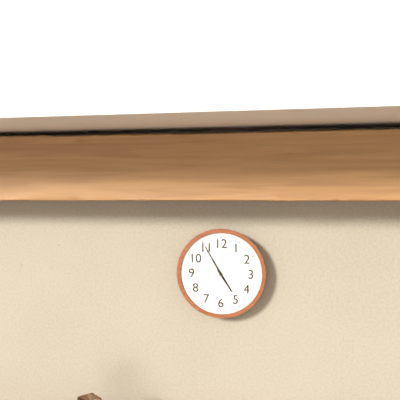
{"hour": 4, "minute": 55}
